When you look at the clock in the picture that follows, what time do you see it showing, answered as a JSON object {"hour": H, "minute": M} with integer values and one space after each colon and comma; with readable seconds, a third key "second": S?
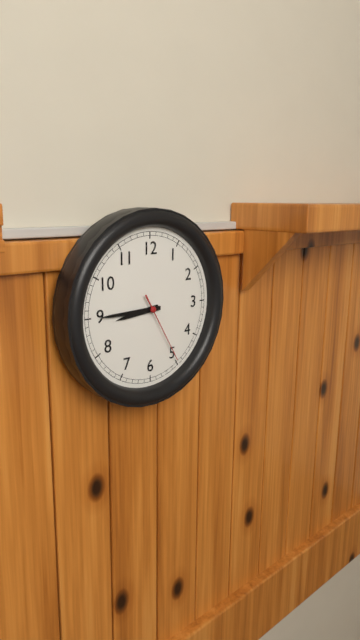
{"hour": 8, "minute": 45, "second": 25}
